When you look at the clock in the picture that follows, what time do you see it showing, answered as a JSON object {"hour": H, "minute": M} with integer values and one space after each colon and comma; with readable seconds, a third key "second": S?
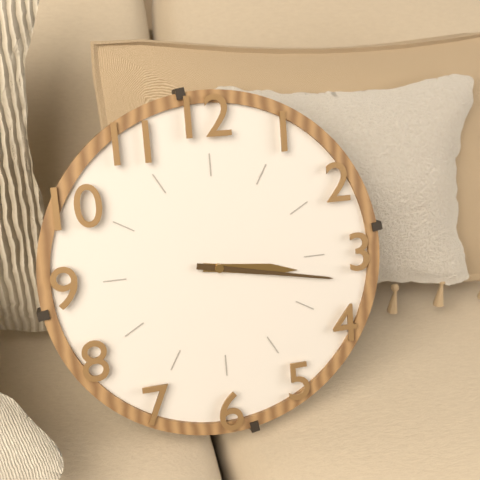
{"hour": 3, "minute": 17}
